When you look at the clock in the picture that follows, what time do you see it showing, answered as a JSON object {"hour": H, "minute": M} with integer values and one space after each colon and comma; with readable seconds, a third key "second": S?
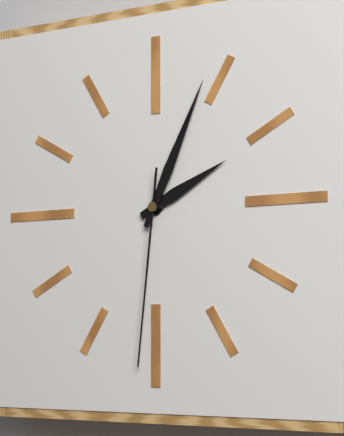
{"hour": 2, "minute": 4, "second": 31}
